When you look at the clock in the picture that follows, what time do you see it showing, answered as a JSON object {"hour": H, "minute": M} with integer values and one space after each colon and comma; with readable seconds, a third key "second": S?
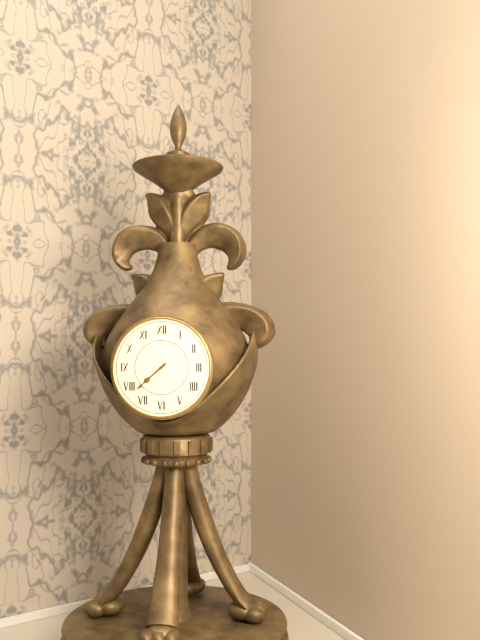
{"hour": 7, "minute": 38}
